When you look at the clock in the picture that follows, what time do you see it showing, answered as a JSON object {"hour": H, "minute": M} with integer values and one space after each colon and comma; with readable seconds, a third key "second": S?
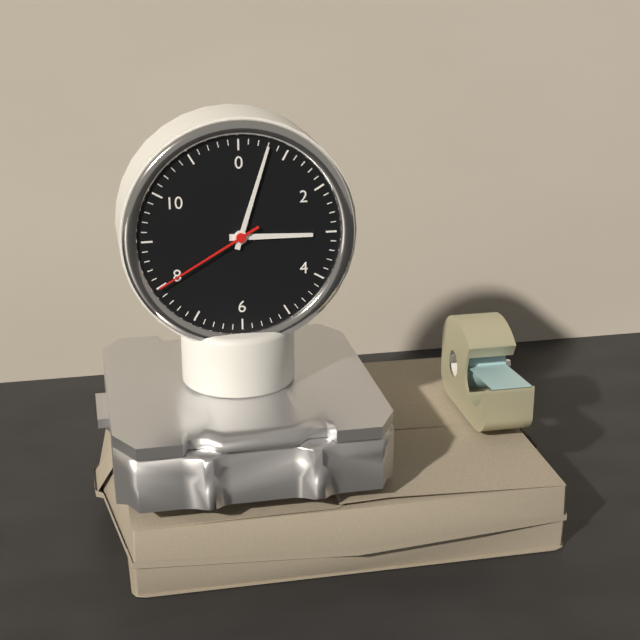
{"hour": 3, "minute": 3, "second": 40}
